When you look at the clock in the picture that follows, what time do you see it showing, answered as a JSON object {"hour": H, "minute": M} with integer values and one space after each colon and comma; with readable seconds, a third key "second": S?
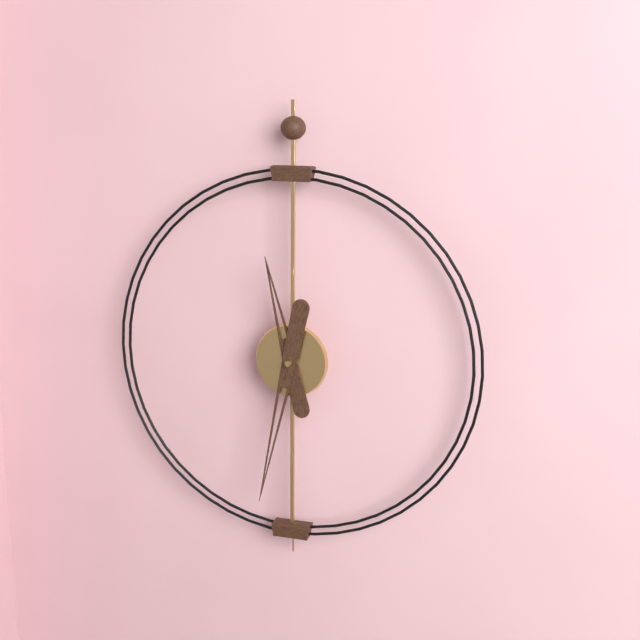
{"hour": 11, "minute": 32}
